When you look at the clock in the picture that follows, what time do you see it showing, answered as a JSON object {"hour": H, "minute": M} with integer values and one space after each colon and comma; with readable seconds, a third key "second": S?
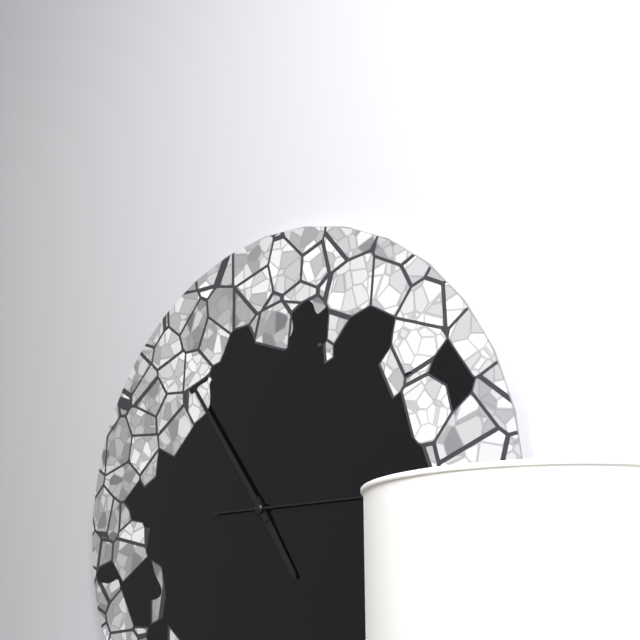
{"hour": 4, "minute": 54}
